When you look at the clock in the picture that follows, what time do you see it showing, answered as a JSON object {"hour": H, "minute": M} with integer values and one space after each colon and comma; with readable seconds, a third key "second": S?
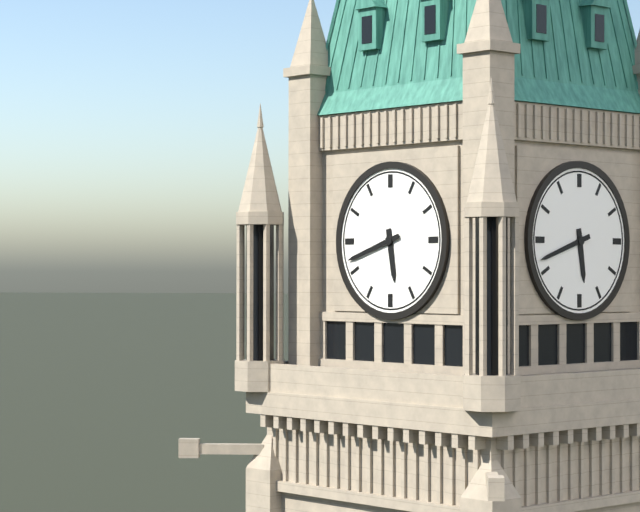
{"hour": 5, "minute": 42}
